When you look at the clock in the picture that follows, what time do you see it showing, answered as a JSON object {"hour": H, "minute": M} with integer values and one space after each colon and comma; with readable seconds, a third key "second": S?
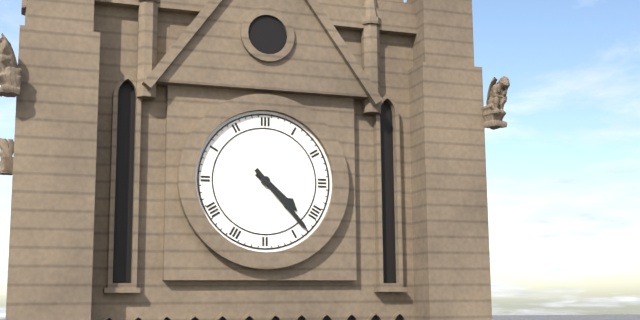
{"hour": 4, "minute": 23}
